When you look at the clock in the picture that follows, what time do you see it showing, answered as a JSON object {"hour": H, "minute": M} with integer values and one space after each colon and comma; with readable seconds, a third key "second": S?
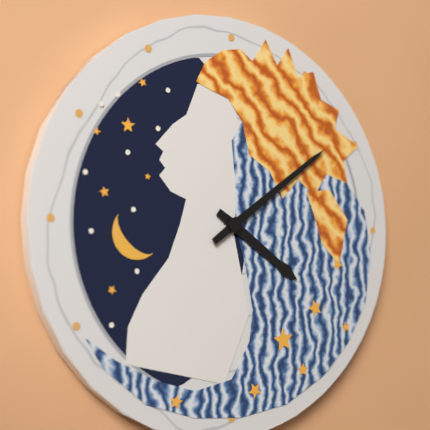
{"hour": 4, "minute": 9}
